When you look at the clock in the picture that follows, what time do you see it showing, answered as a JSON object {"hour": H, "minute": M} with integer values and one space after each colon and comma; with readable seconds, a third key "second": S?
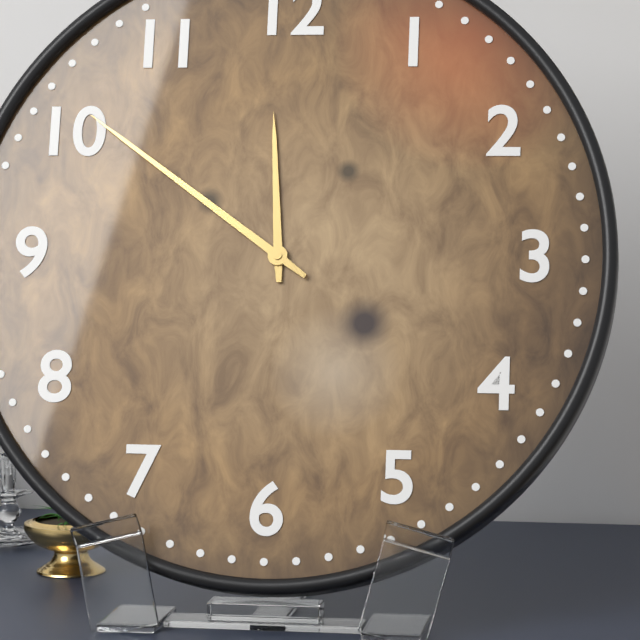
{"hour": 11, "minute": 51}
